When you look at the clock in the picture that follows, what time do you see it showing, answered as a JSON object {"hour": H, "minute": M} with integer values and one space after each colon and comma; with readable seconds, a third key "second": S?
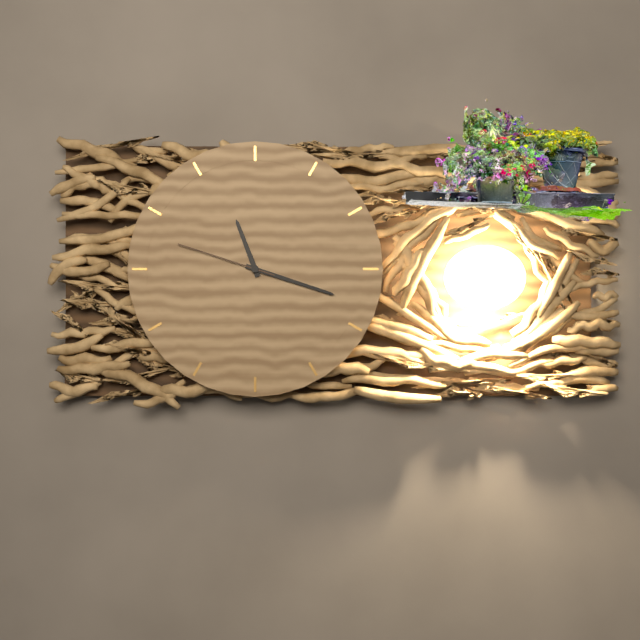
{"hour": 11, "minute": 18, "second": 48}
